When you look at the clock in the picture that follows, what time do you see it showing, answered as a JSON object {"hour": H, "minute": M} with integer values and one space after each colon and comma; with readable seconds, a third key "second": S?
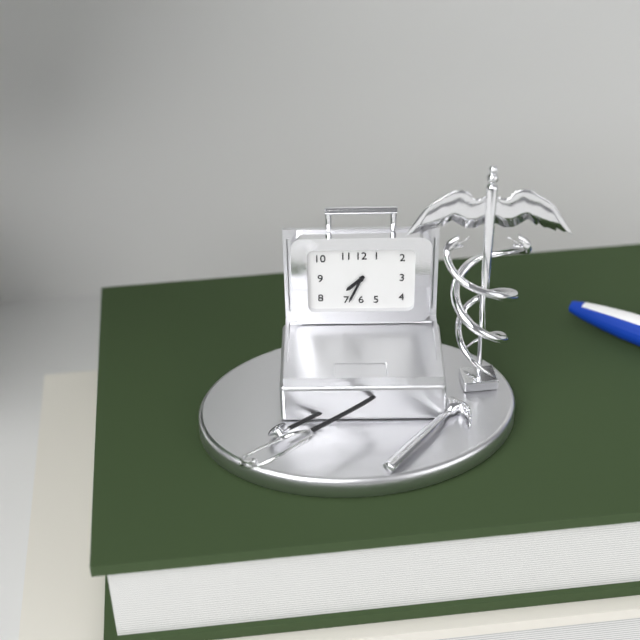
{"hour": 7, "minute": 34}
